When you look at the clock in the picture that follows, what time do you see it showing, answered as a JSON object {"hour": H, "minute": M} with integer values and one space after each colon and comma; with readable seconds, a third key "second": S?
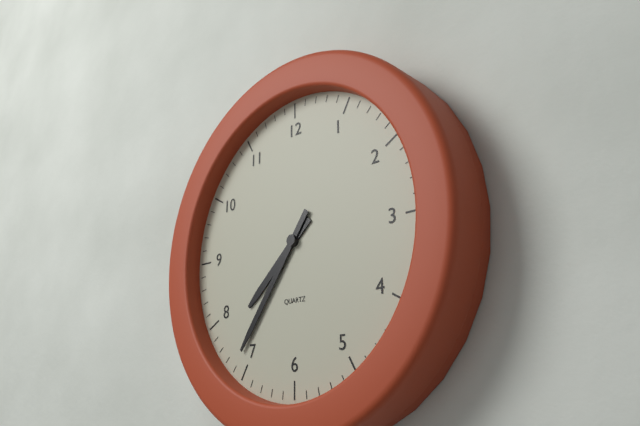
{"hour": 7, "minute": 36}
